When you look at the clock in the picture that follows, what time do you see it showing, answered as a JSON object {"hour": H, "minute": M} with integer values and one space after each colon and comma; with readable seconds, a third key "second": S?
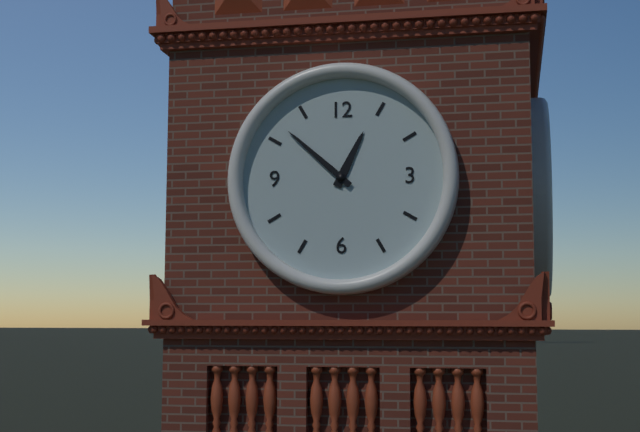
{"hour": 12, "minute": 52}
